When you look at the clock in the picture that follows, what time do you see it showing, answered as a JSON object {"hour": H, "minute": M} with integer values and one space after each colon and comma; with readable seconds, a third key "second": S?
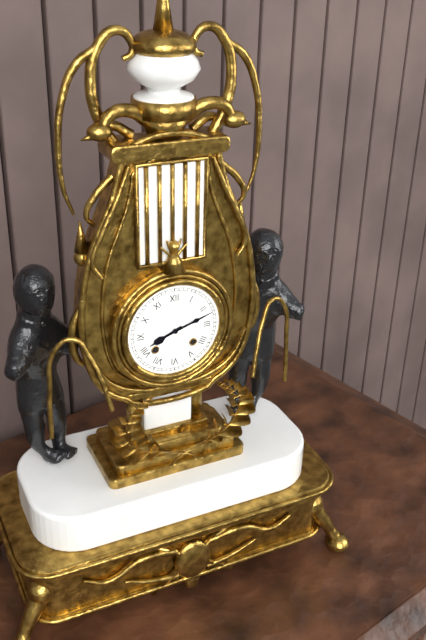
{"hour": 8, "minute": 12}
